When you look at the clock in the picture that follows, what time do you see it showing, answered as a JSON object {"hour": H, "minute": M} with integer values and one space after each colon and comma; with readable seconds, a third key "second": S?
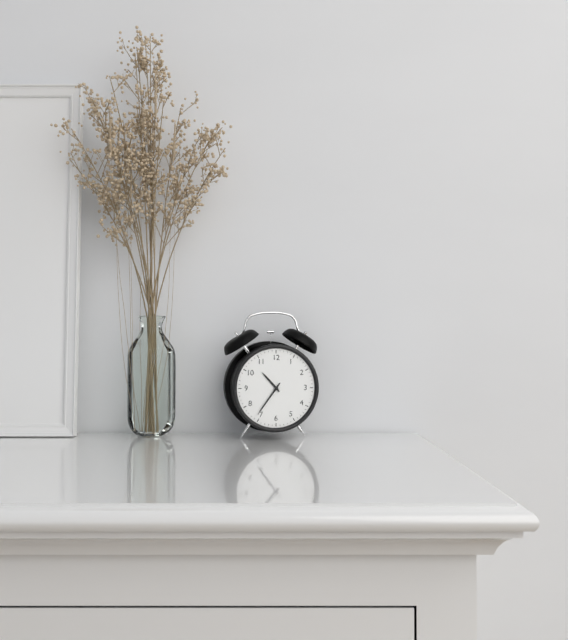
{"hour": 10, "minute": 36}
